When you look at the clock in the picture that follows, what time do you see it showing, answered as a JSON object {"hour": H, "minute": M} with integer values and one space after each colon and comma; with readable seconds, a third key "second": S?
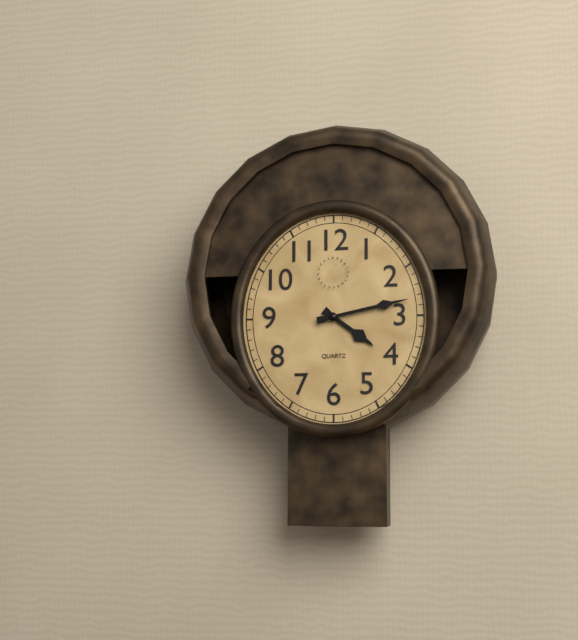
{"hour": 4, "minute": 13}
